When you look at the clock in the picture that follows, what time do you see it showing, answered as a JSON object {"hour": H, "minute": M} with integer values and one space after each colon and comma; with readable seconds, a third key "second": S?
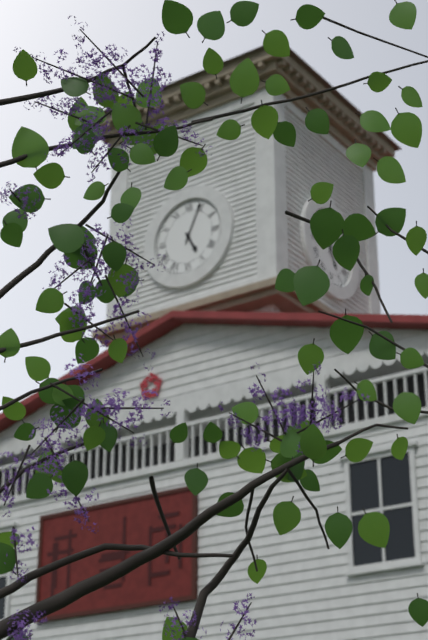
{"hour": 5, "minute": 4}
